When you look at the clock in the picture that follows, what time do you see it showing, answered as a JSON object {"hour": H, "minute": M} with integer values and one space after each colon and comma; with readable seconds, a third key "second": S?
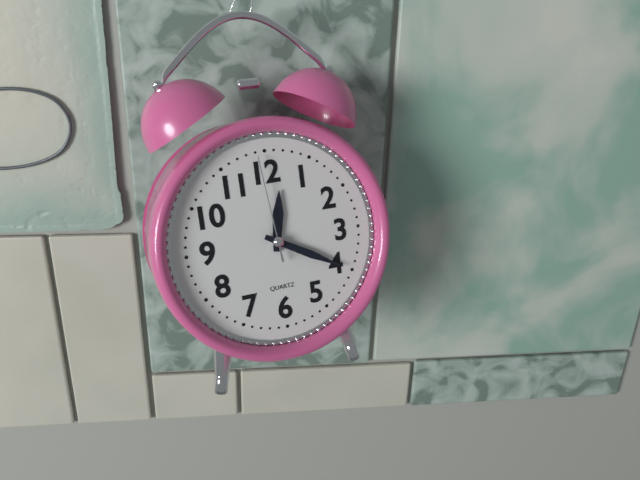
{"hour": 12, "minute": 20, "second": 59}
